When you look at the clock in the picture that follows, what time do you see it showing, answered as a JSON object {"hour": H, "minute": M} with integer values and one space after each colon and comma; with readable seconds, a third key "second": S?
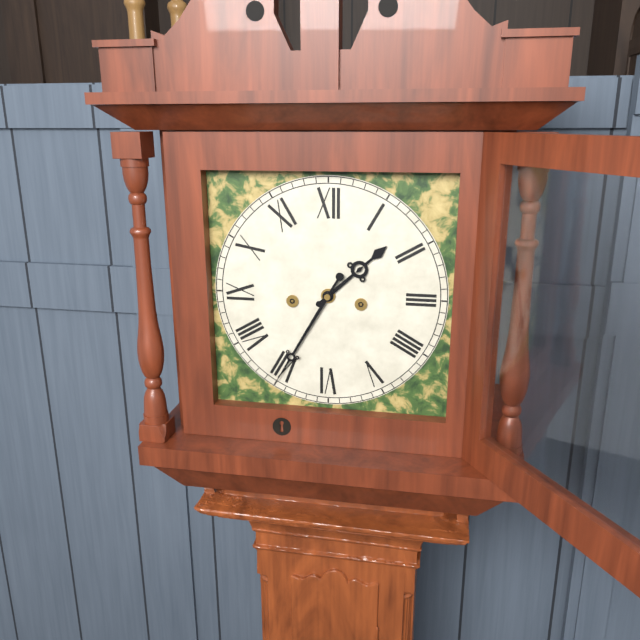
{"hour": 1, "minute": 35}
